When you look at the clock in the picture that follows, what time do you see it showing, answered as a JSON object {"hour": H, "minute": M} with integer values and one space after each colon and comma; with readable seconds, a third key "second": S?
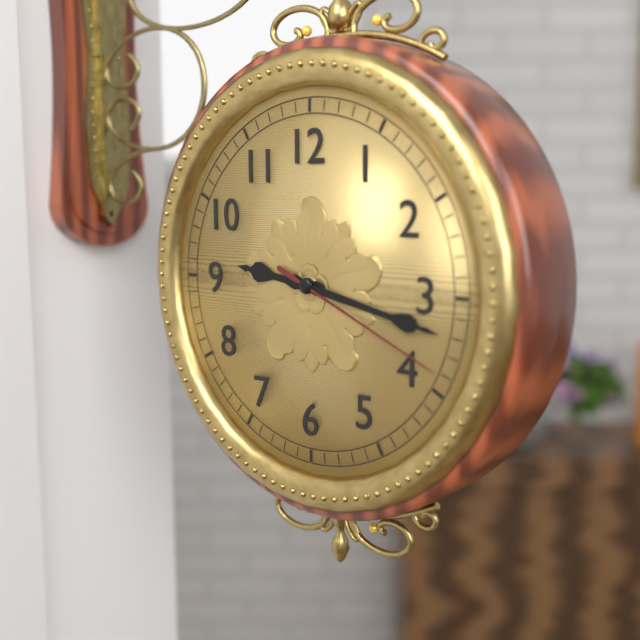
{"hour": 9, "minute": 17, "second": 19}
